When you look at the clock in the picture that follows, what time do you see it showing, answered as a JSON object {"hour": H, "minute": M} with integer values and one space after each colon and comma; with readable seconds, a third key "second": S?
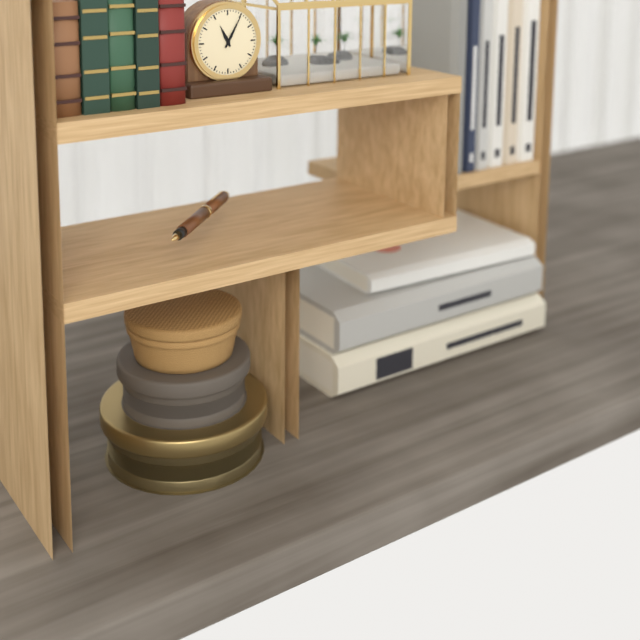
{"hour": 11, "minute": 5}
